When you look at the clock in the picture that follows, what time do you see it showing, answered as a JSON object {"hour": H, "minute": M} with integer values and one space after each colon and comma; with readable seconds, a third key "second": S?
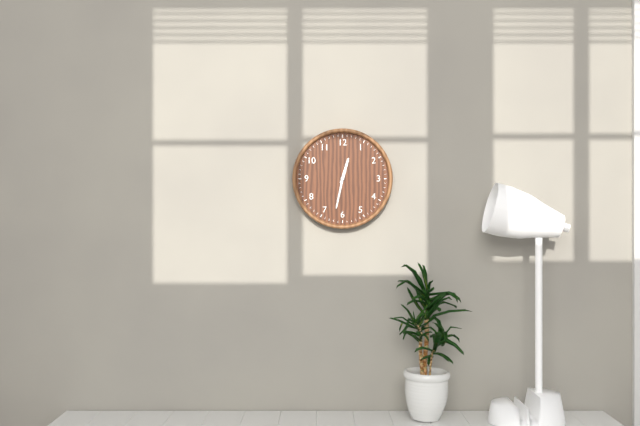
{"hour": 12, "minute": 32}
